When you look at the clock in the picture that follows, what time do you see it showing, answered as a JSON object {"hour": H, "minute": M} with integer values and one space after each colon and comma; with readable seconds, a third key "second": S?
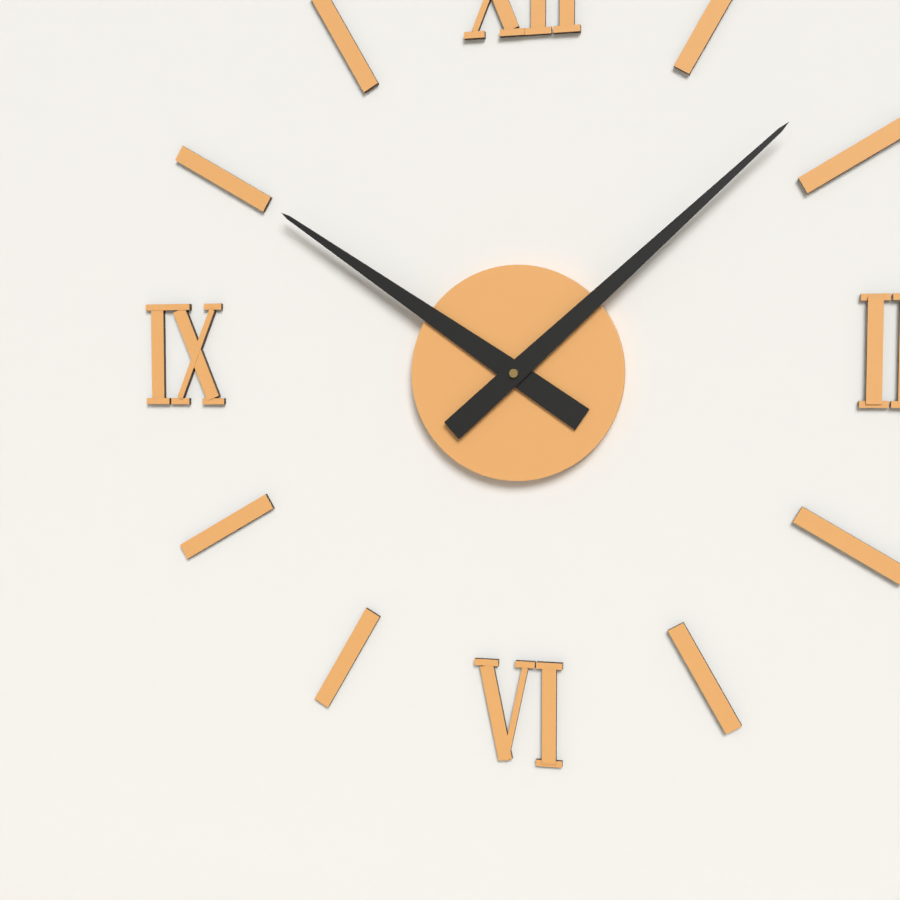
{"hour": 10, "minute": 8}
